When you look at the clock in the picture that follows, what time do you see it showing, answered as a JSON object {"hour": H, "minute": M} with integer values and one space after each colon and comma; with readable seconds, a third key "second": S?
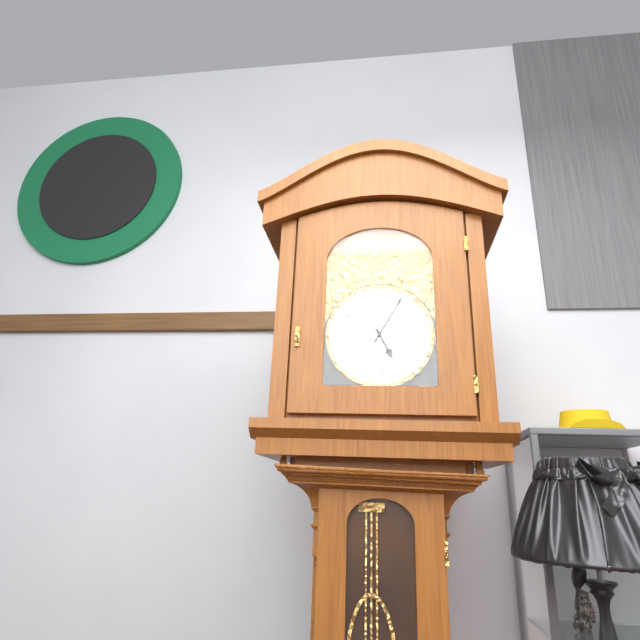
{"hour": 5, "minute": 5}
